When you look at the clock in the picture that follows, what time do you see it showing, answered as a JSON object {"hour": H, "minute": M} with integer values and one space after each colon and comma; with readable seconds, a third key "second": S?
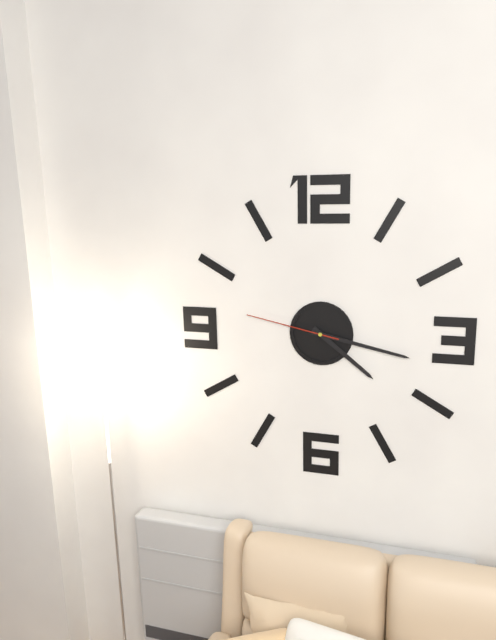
{"hour": 4, "minute": 17, "second": 47}
